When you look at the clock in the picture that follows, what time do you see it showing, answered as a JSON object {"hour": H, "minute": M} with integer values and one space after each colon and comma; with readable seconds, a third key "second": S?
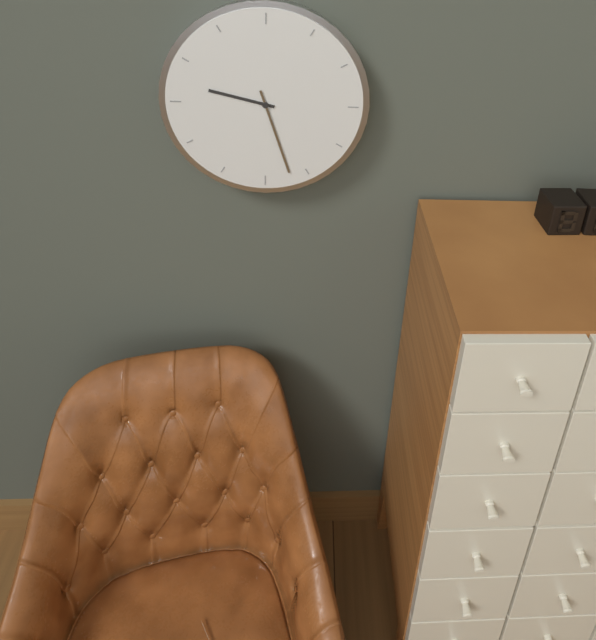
{"hour": 9, "minute": 27}
